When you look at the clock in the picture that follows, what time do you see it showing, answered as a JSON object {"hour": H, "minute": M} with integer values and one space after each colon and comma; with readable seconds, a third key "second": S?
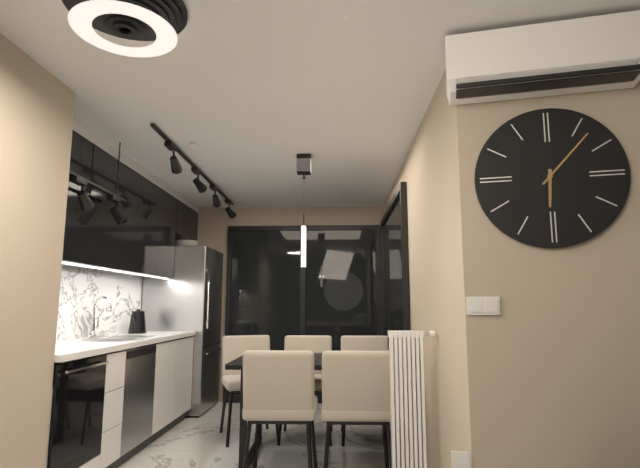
{"hour": 6, "minute": 7}
